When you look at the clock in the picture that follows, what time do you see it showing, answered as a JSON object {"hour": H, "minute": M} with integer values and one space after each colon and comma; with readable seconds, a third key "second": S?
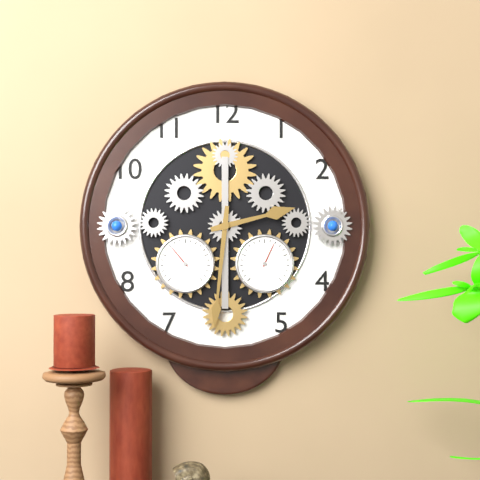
{"hour": 2, "minute": 31}
